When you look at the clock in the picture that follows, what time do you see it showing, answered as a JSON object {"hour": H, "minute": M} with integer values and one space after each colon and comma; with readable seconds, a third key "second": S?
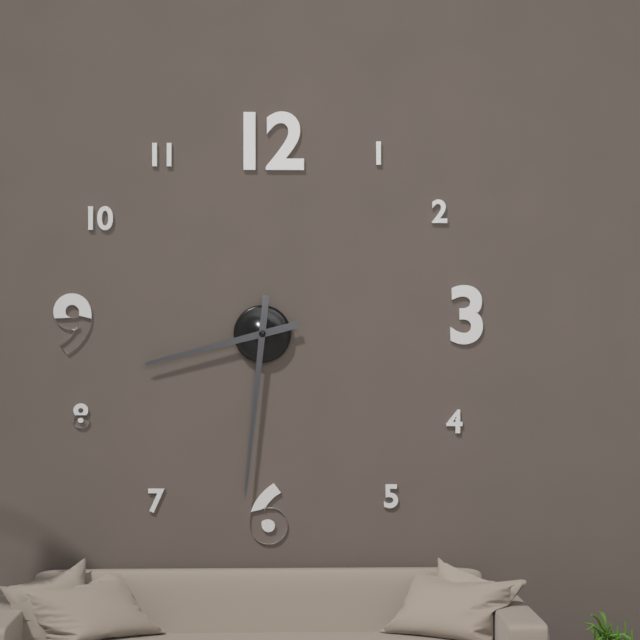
{"hour": 8, "minute": 31}
